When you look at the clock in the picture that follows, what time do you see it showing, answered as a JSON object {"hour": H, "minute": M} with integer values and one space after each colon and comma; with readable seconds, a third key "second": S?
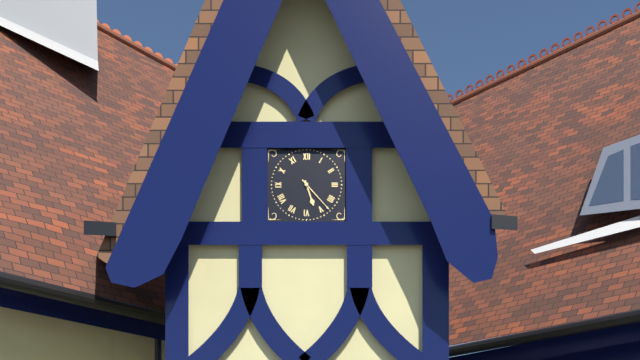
{"hour": 5, "minute": 23}
